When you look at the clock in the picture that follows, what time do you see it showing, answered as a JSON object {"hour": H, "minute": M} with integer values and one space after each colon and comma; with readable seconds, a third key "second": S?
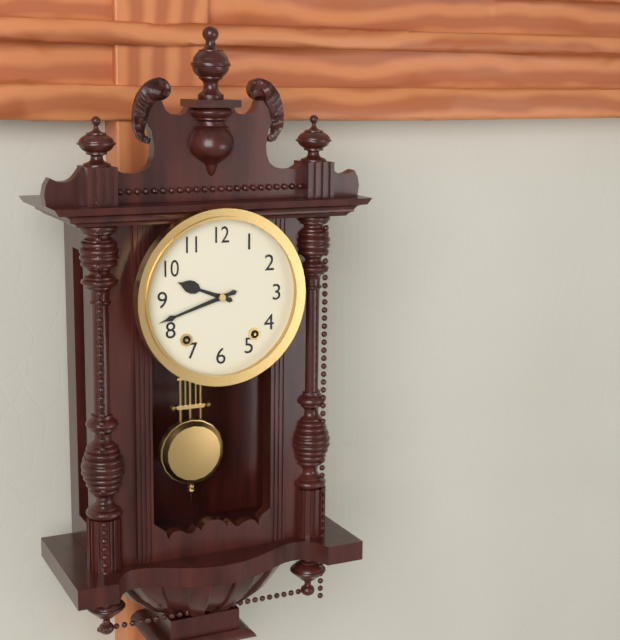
{"hour": 9, "minute": 42}
